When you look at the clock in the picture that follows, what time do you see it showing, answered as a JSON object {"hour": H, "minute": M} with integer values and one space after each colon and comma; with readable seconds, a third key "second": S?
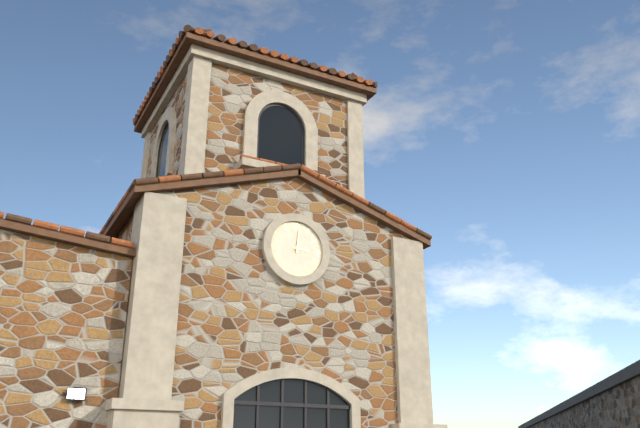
{"hour": 3, "minute": 1}
